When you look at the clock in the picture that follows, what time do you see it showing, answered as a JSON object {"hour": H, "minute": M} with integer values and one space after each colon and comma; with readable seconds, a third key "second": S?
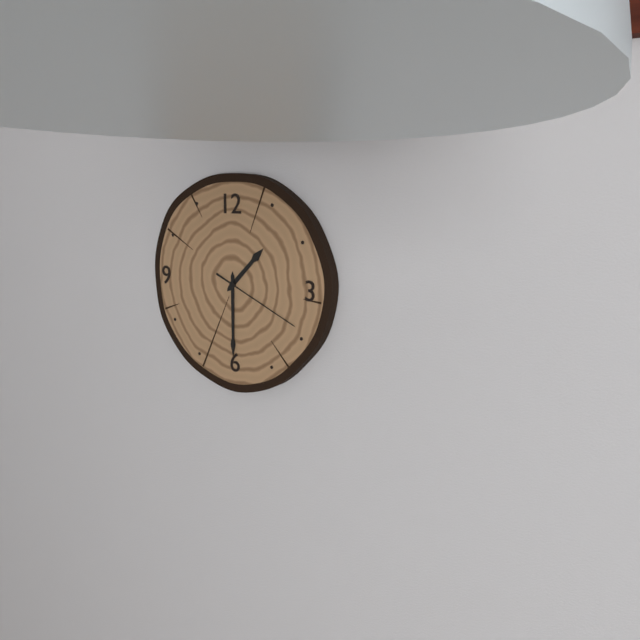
{"hour": 1, "minute": 30, "second": 19}
